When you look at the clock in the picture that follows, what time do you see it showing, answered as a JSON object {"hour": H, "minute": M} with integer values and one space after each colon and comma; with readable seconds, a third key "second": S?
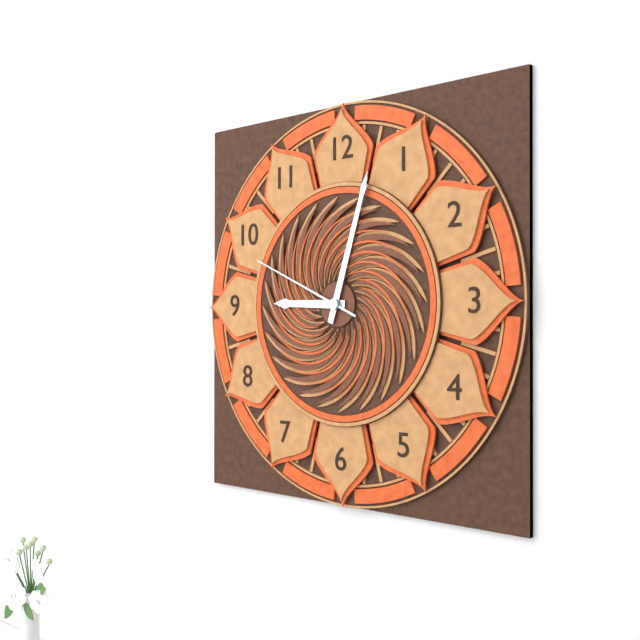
{"hour": 9, "minute": 3, "second": 49}
